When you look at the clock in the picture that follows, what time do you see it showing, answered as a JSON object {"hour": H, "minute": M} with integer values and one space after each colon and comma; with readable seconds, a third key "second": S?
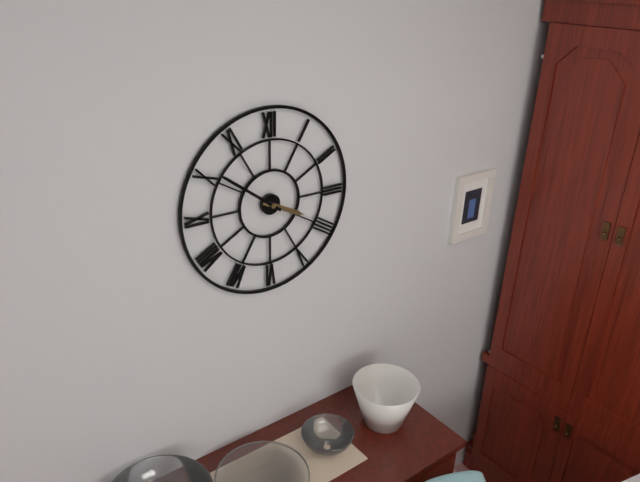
{"hour": 3, "minute": 51}
